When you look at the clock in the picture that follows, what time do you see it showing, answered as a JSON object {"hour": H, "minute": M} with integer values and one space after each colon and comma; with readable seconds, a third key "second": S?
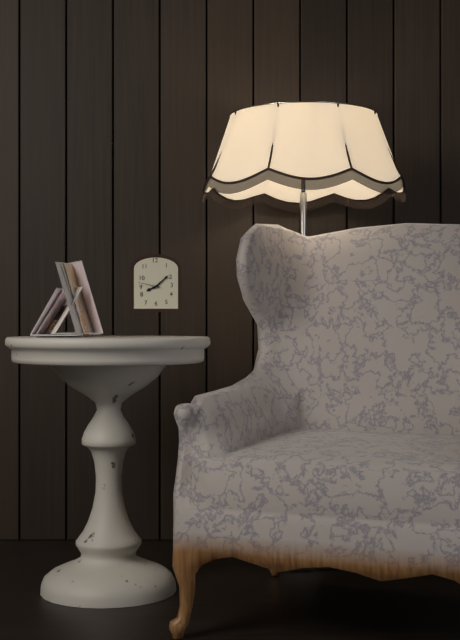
{"hour": 8, "minute": 8}
